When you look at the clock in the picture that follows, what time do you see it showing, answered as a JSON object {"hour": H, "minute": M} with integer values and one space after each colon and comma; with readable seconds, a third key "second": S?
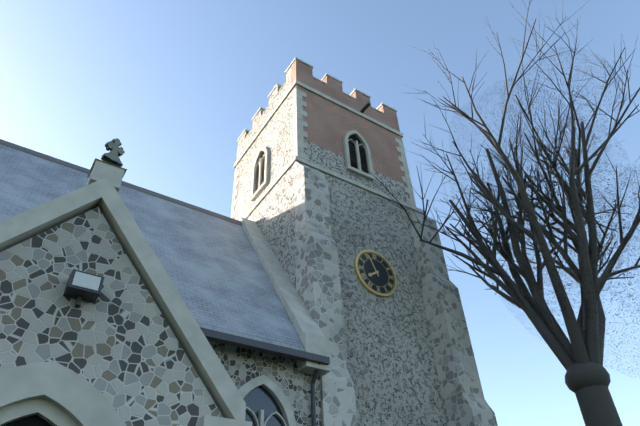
{"hour": 7, "minute": 56}
